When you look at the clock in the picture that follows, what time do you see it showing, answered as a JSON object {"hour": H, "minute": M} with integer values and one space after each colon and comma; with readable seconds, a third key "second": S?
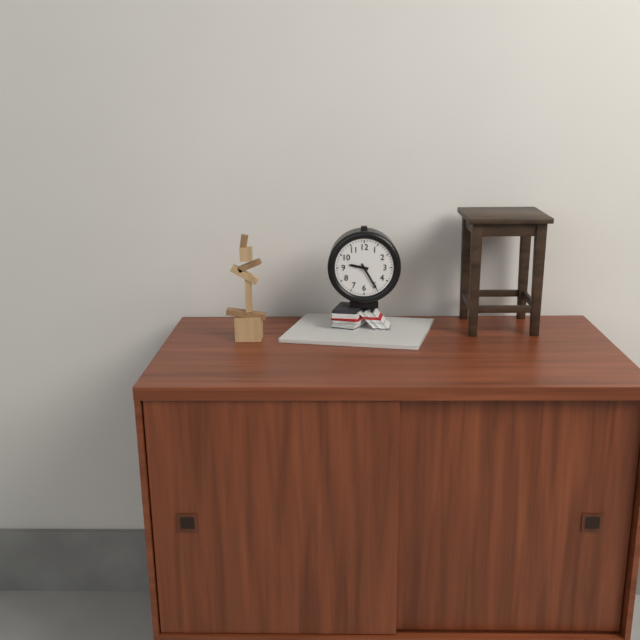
{"hour": 9, "minute": 25}
